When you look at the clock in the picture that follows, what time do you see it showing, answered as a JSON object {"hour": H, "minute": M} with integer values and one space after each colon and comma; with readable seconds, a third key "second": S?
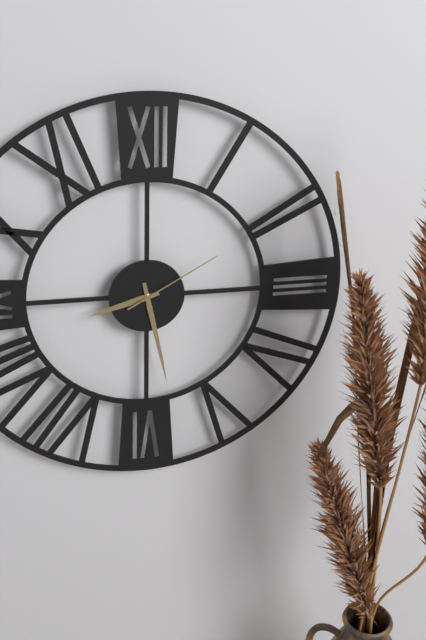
{"hour": 8, "minute": 28, "second": 10}
